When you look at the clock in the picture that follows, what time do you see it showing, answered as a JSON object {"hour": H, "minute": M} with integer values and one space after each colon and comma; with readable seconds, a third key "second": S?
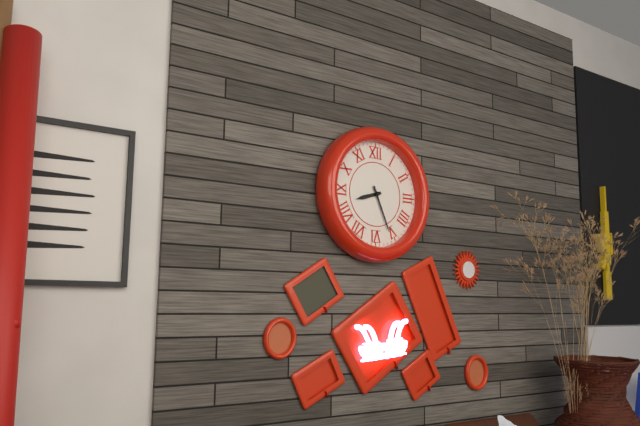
{"hour": 8, "minute": 26}
